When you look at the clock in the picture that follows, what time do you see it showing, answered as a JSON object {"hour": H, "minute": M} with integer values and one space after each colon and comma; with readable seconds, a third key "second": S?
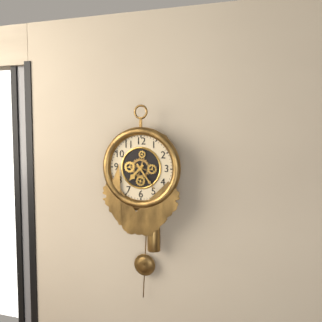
{"hour": 7, "minute": 24}
